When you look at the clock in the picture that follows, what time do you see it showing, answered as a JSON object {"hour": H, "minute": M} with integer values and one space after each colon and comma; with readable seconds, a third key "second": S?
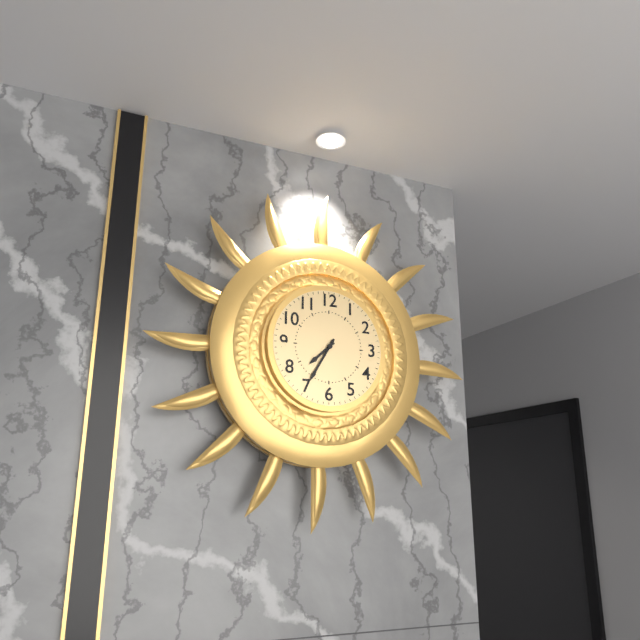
{"hour": 7, "minute": 35}
